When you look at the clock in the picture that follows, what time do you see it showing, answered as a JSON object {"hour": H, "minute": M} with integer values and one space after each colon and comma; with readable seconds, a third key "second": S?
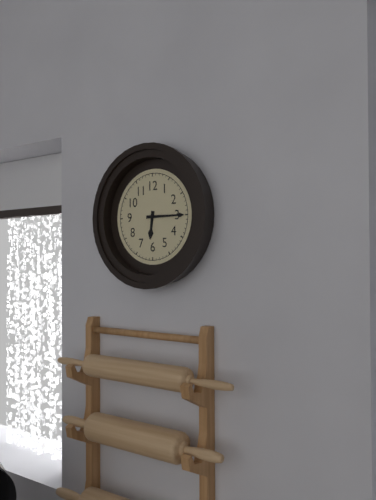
{"hour": 6, "minute": 15}
